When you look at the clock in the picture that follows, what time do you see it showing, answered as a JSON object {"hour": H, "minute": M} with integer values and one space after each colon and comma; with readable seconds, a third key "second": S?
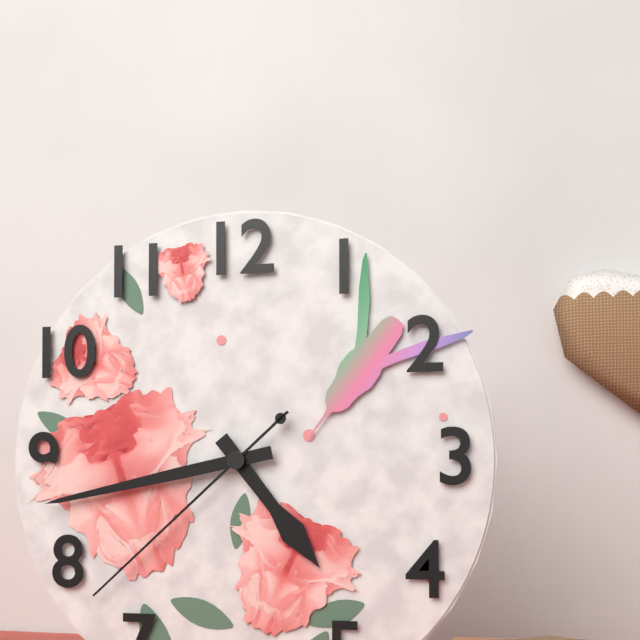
{"hour": 4, "minute": 43, "second": 38}
